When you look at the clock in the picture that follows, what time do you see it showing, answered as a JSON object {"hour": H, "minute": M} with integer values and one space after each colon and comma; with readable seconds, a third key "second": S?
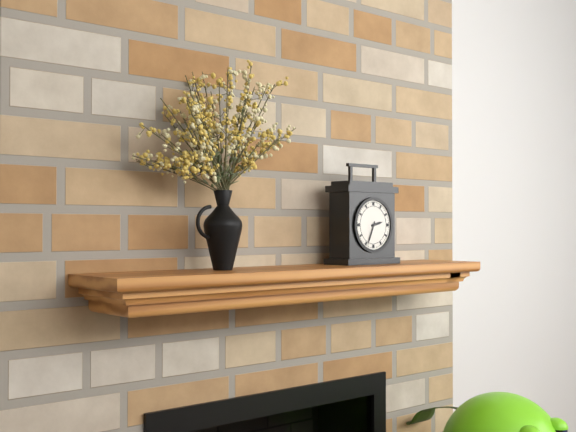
{"hour": 2, "minute": 34}
